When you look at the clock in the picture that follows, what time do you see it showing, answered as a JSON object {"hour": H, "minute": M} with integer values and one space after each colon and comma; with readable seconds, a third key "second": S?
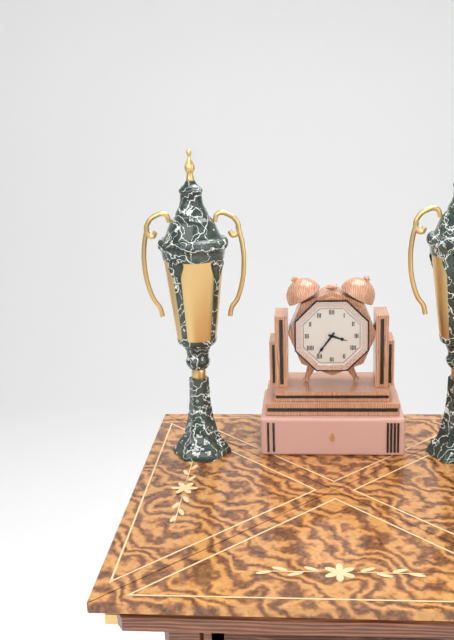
{"hour": 3, "minute": 36}
